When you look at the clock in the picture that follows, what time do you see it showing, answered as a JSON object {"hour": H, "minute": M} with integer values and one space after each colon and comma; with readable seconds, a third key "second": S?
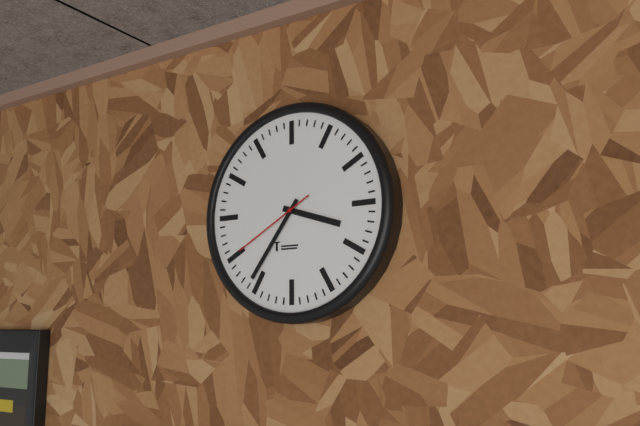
{"hour": 3, "minute": 36, "second": 40}
